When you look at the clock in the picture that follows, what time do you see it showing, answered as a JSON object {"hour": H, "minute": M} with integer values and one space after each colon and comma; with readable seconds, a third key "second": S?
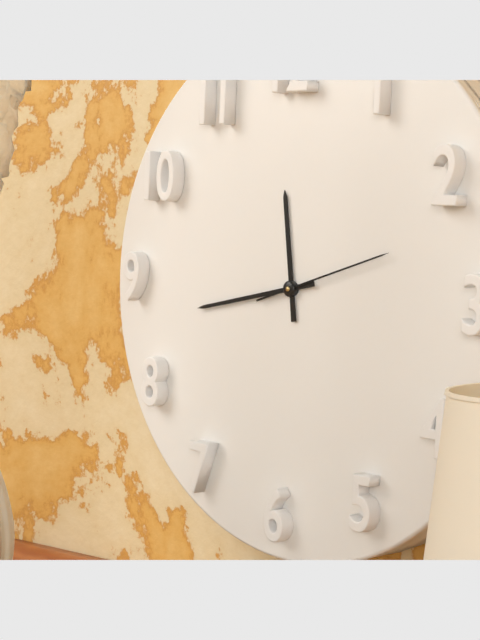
{"hour": 11, "minute": 43, "second": 12}
